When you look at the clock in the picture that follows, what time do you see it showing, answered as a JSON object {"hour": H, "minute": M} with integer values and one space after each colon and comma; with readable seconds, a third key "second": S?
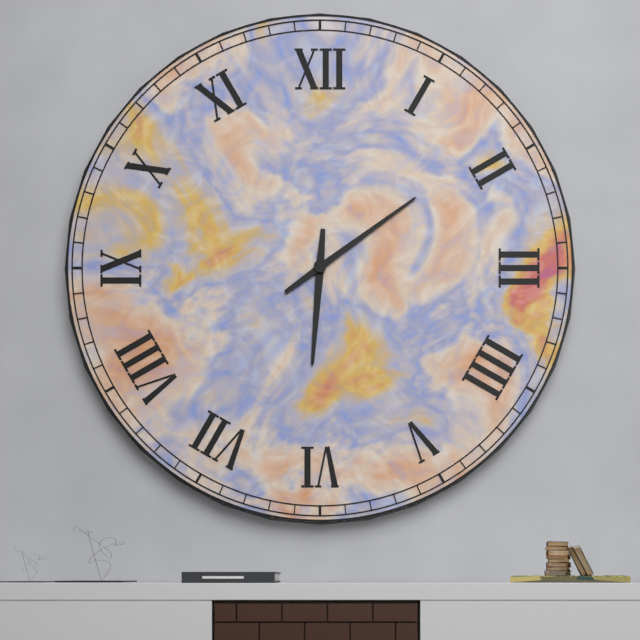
{"hour": 6, "minute": 9}
